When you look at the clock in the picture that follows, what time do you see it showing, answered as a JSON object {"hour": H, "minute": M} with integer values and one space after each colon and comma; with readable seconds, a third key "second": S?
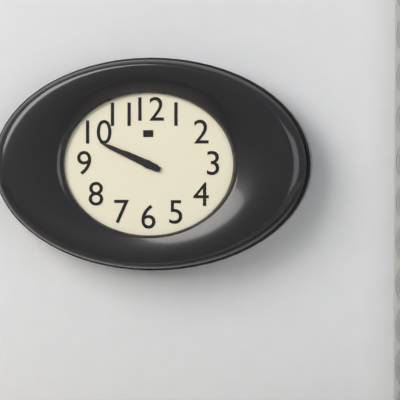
{"hour": 9, "minute": 49}
